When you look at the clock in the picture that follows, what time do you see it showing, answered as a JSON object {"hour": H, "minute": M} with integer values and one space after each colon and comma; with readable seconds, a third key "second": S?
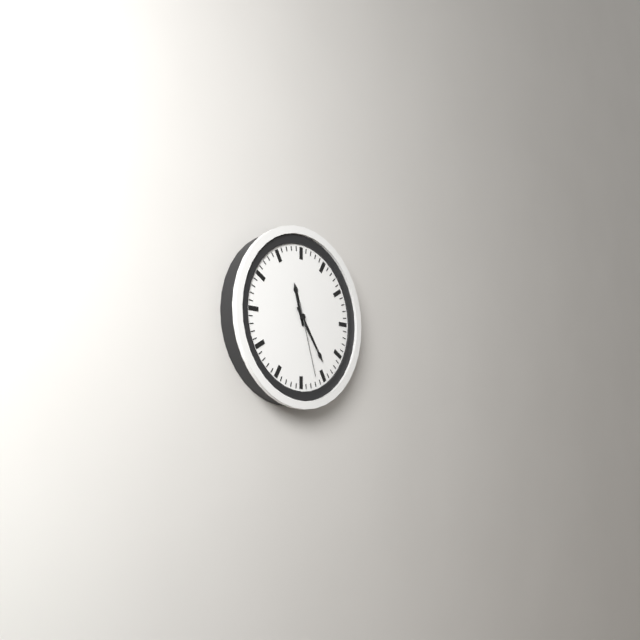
{"hour": 11, "minute": 24, "second": 27}
